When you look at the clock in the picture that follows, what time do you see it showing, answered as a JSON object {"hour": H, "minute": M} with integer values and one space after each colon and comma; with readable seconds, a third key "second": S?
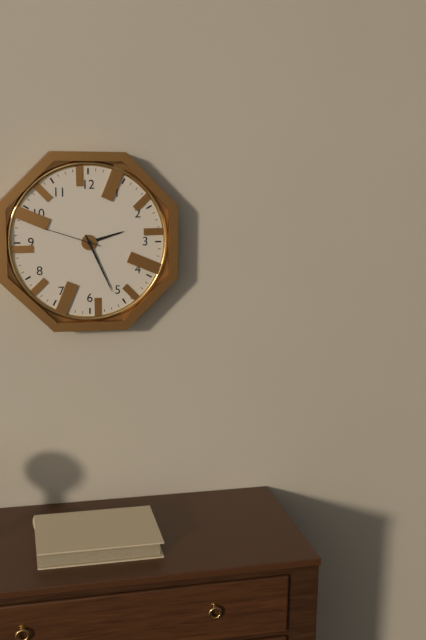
{"hour": 2, "minute": 26, "second": 48}
